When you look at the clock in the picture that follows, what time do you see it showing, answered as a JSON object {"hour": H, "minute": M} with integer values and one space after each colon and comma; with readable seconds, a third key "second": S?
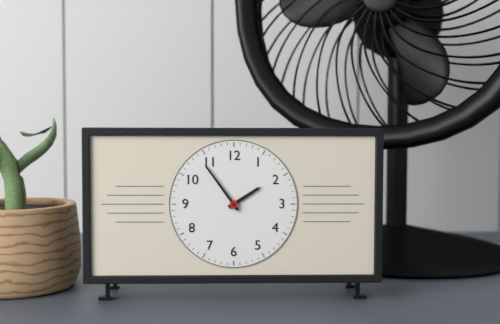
{"hour": 1, "minute": 54}
